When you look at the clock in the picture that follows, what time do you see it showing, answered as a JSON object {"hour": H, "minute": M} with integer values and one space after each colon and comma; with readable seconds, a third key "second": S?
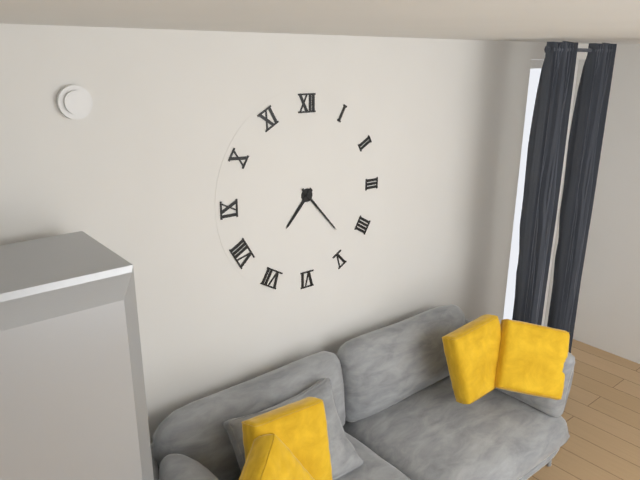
{"hour": 7, "minute": 23}
